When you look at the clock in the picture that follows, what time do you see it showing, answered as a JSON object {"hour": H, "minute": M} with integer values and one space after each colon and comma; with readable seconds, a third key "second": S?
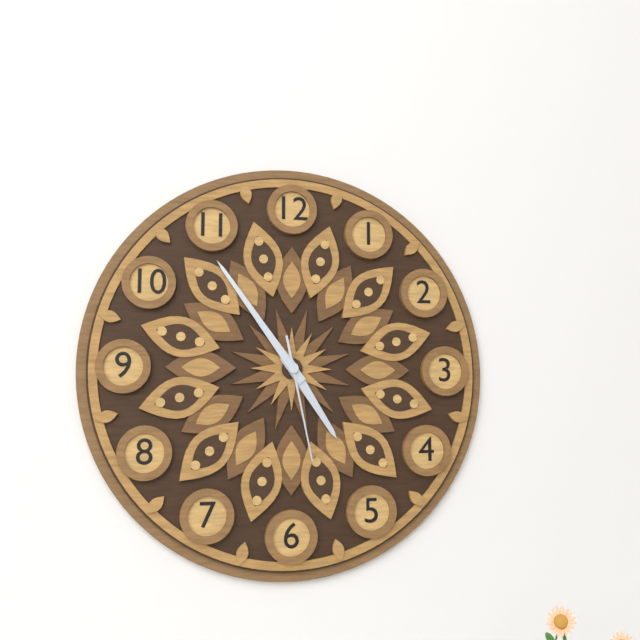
{"hour": 4, "minute": 54, "second": 28}
